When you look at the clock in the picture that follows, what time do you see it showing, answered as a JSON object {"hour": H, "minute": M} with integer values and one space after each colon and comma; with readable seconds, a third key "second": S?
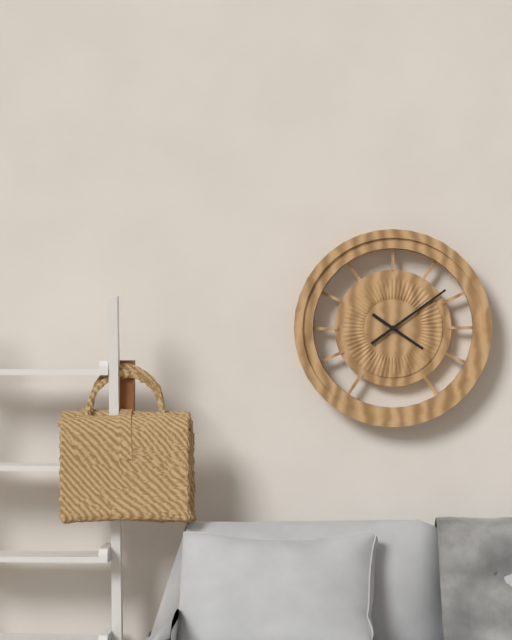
{"hour": 4, "minute": 9}
